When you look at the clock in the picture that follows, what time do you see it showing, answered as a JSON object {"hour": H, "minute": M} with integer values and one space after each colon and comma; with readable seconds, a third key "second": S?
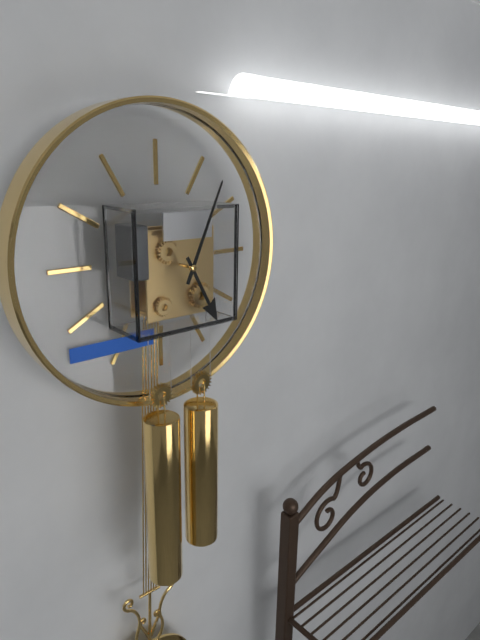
{"hour": 5, "minute": 4}
